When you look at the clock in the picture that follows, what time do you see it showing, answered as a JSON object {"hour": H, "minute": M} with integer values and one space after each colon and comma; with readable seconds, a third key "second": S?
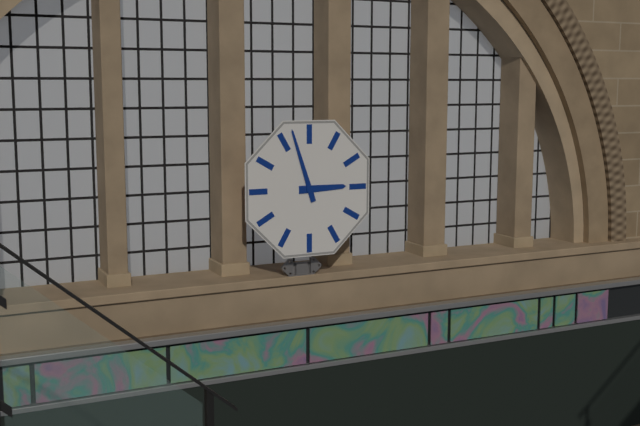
{"hour": 2, "minute": 57}
